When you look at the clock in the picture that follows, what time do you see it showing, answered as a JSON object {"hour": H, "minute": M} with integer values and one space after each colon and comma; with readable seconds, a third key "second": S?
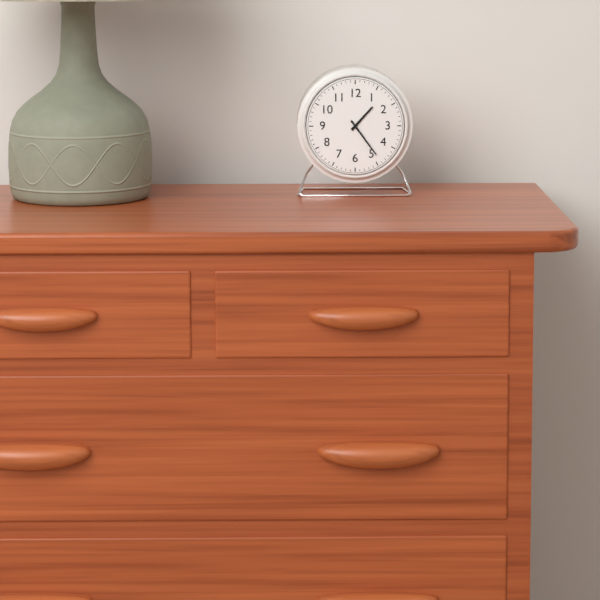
{"hour": 1, "minute": 24}
